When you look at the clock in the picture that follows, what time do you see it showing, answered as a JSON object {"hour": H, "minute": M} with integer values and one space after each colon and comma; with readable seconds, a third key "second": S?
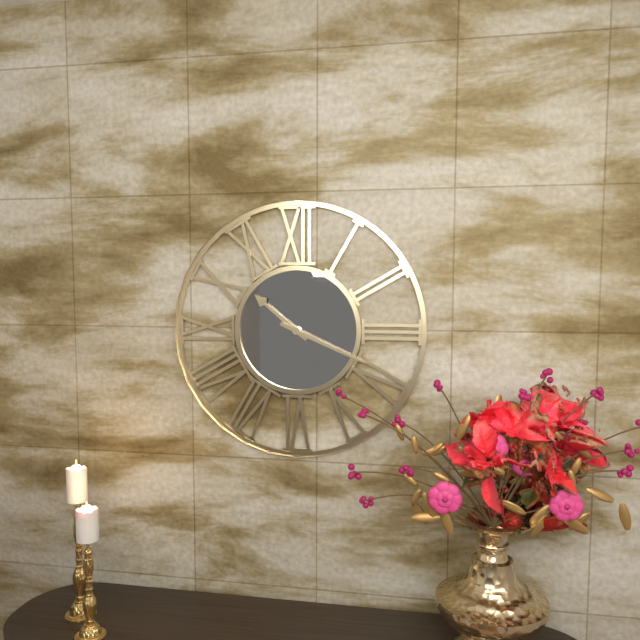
{"hour": 10, "minute": 19}
